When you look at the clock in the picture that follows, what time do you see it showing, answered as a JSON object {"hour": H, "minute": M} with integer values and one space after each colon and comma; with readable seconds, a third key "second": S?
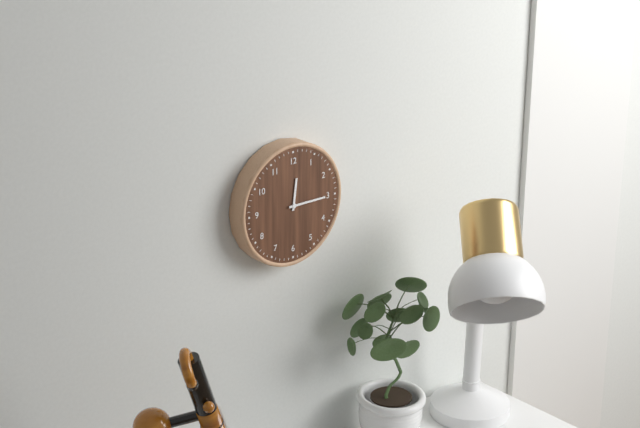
{"hour": 12, "minute": 15}
